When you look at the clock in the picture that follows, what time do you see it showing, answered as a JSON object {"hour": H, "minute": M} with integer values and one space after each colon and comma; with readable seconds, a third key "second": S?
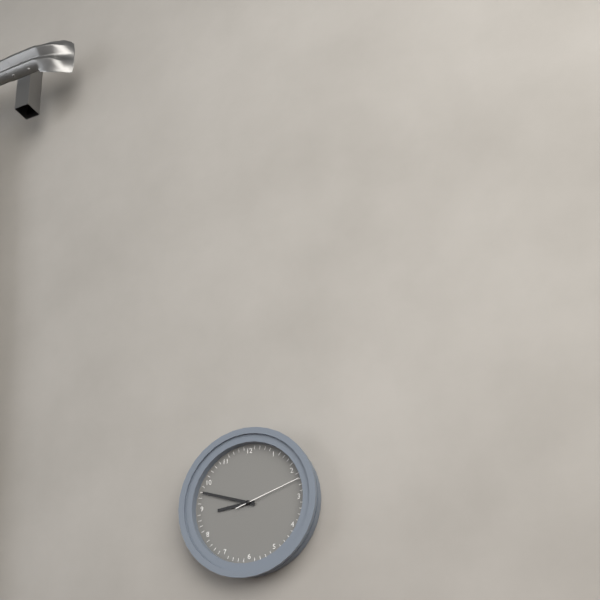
{"hour": 8, "minute": 48, "second": 12}
